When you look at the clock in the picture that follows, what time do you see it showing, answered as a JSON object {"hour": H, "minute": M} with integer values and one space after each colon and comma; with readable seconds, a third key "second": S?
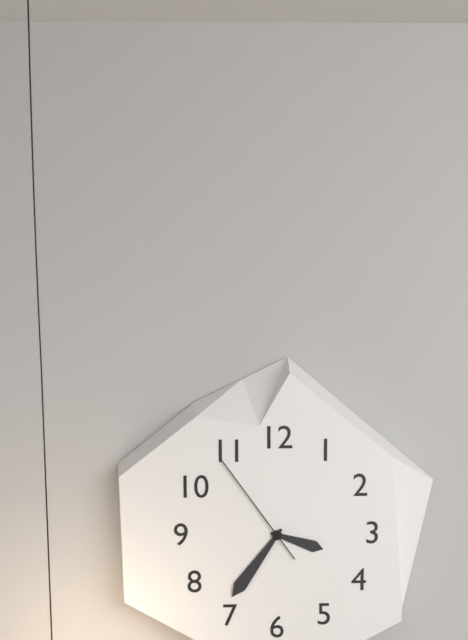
{"hour": 3, "minute": 36, "second": 54}
